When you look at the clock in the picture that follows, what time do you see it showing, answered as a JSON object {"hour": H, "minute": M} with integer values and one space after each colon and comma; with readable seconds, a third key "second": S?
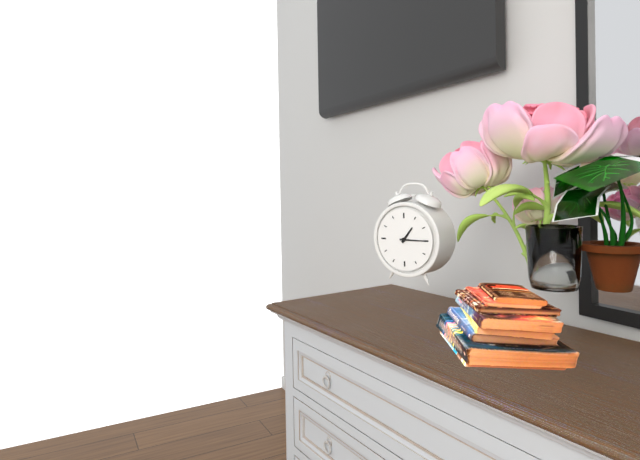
{"hour": 1, "minute": 15}
